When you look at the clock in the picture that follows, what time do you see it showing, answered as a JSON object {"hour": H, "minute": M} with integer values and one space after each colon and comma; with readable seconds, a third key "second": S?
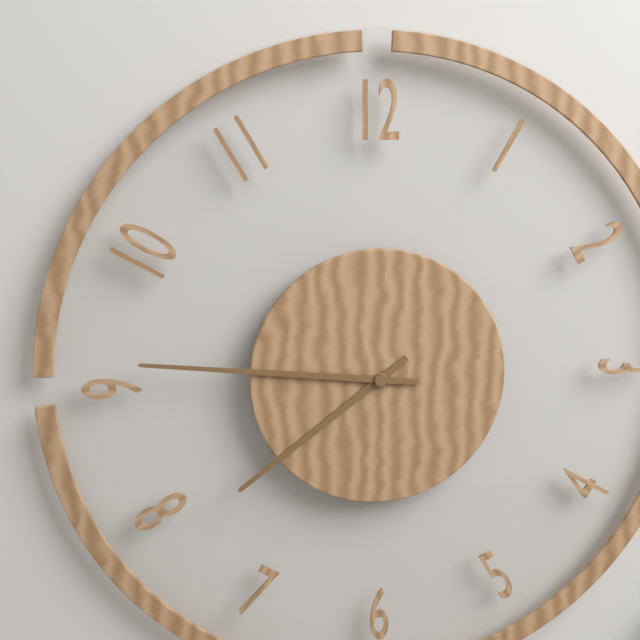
{"hour": 7, "minute": 46}
